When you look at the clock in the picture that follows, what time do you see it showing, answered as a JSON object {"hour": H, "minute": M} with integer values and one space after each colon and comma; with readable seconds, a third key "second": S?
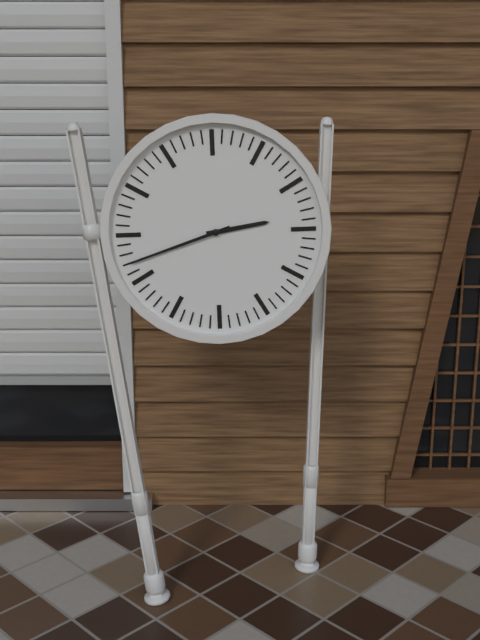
{"hour": 2, "minute": 42}
